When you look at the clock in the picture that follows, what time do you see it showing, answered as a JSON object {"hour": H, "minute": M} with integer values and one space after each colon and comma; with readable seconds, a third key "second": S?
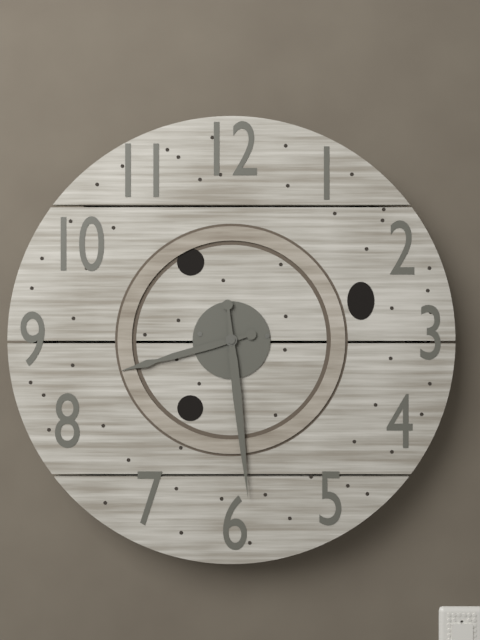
{"hour": 8, "minute": 29}
